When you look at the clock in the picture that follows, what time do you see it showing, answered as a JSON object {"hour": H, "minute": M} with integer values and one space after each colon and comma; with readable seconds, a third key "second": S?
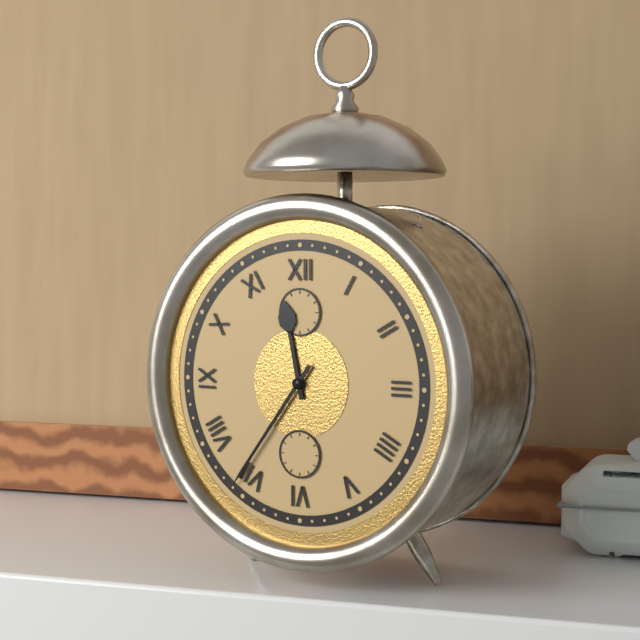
{"hour": 11, "minute": 36}
